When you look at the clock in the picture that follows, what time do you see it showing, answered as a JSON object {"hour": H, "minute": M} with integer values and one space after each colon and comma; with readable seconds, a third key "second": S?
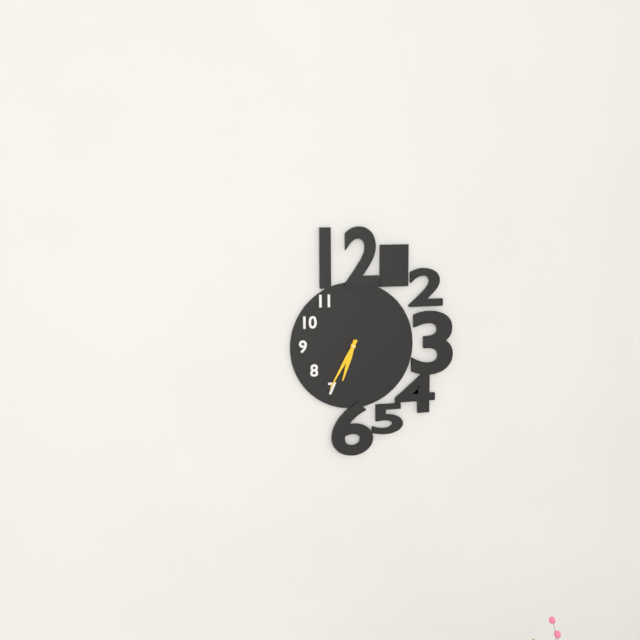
{"hour": 6, "minute": 35}
